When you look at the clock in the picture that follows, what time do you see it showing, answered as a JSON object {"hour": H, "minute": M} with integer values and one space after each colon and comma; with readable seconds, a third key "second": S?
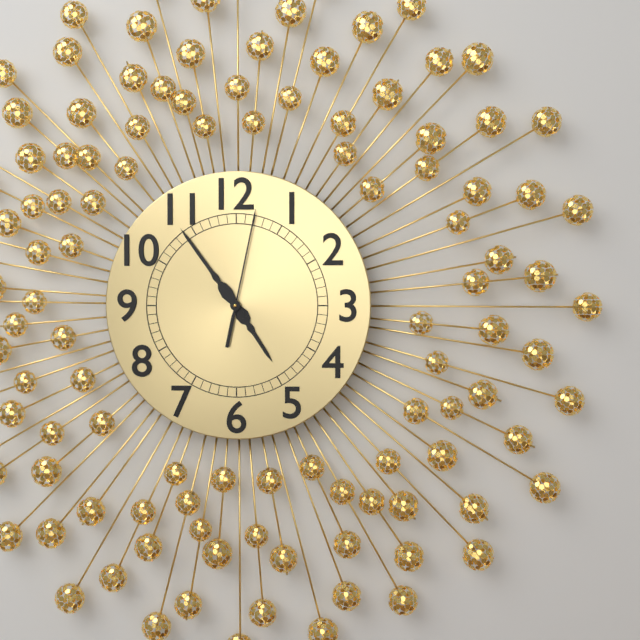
{"hour": 4, "minute": 54, "second": 2}
